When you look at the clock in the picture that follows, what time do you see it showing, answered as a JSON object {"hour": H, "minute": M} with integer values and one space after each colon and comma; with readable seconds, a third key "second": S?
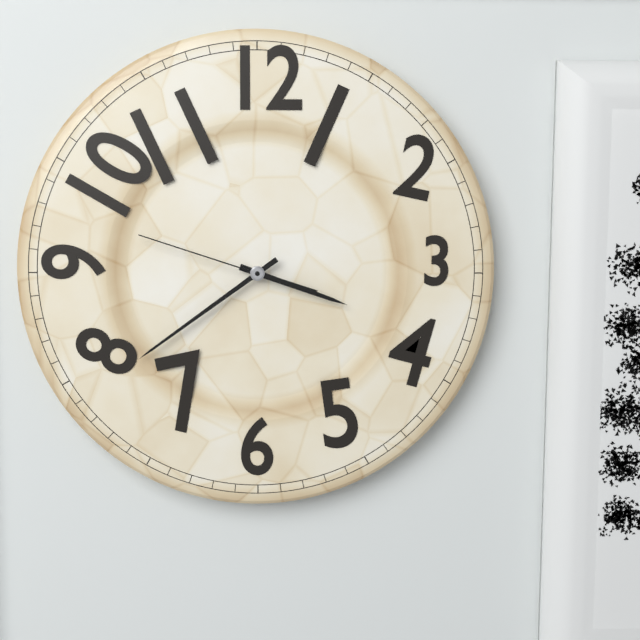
{"hour": 3, "minute": 39, "second": 48}
